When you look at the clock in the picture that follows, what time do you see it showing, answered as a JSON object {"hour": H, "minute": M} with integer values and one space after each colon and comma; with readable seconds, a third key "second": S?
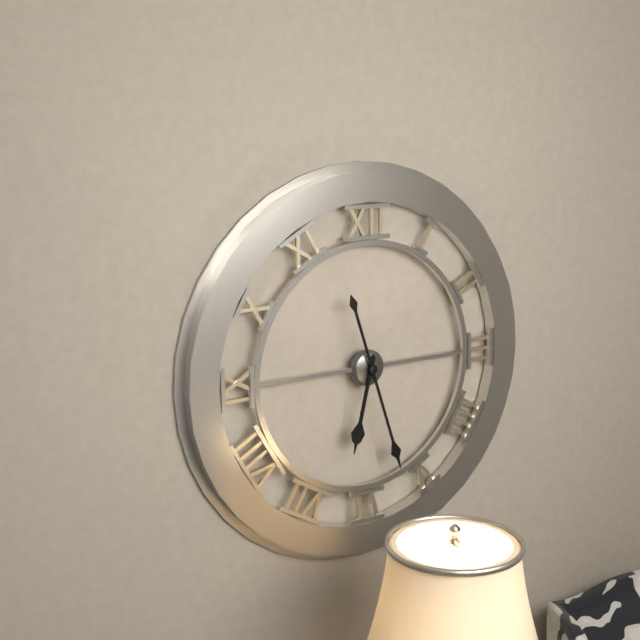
{"hour": 6, "minute": 27}
